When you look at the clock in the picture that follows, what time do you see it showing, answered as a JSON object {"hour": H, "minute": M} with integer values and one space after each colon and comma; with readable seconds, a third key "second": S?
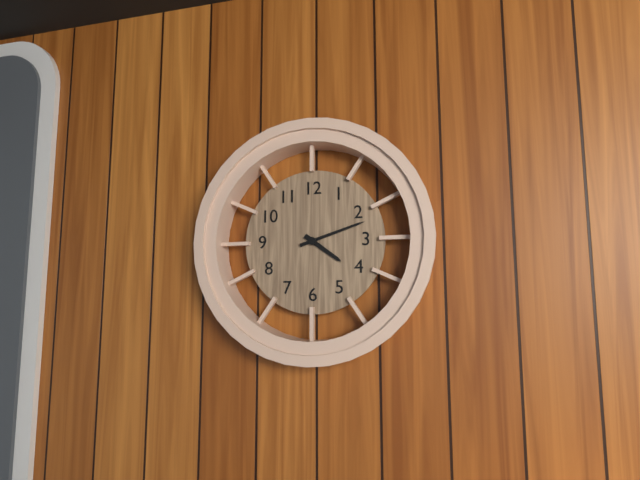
{"hour": 4, "minute": 12}
